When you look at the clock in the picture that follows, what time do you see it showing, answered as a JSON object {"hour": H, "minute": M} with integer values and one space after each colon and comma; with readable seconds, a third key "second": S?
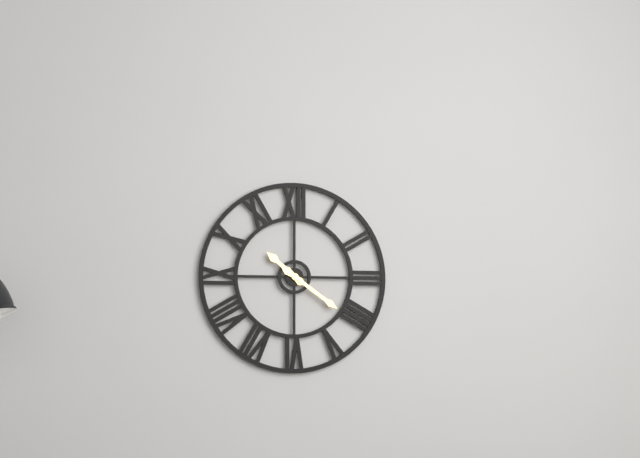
{"hour": 10, "minute": 21}
